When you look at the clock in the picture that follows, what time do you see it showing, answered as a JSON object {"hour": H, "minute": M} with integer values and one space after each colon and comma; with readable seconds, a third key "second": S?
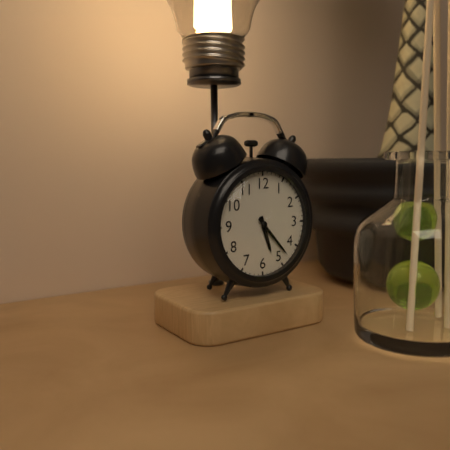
{"hour": 5, "minute": 23}
